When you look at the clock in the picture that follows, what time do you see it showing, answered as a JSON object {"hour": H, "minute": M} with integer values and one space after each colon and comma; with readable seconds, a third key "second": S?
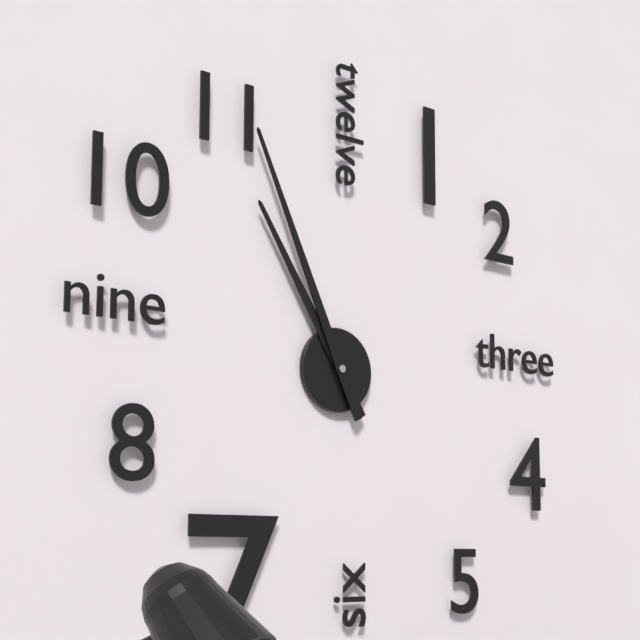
{"hour": 10, "minute": 56}
